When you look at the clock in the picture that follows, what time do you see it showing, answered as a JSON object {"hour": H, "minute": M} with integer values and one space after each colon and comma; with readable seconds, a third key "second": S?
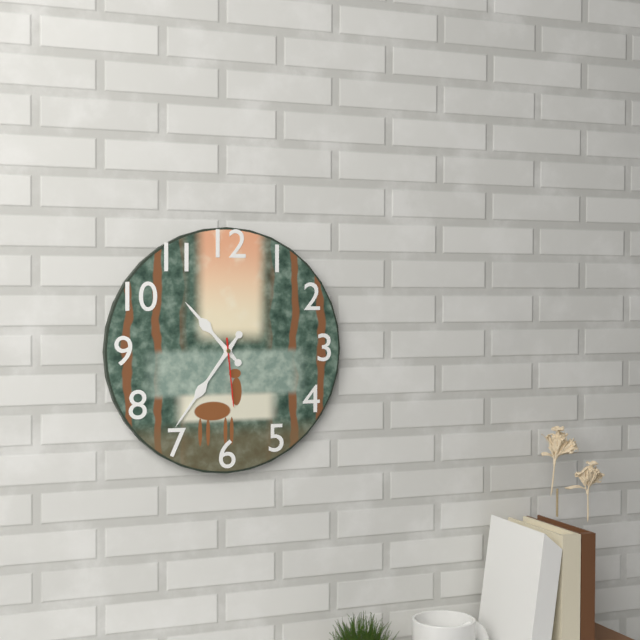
{"hour": 10, "minute": 36, "second": 29}
